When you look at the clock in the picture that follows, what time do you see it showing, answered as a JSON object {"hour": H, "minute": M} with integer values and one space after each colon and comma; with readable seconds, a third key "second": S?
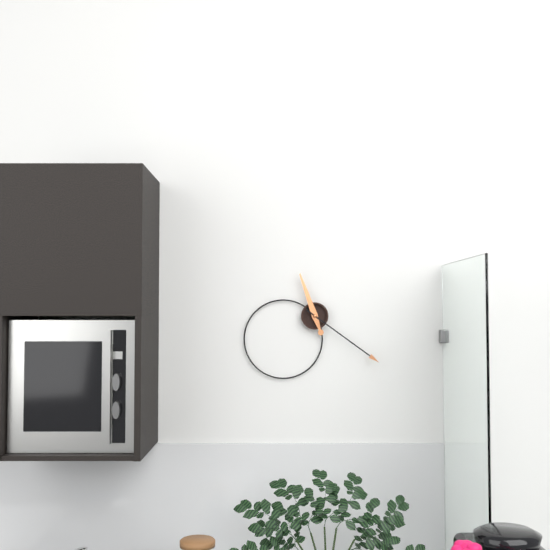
{"hour": 11, "minute": 21}
